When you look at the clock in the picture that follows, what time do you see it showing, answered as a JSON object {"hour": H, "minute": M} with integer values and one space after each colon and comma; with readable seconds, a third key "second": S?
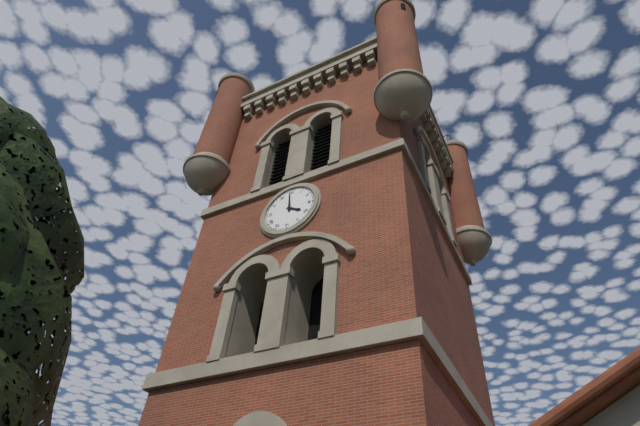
{"hour": 3, "minute": 59}
